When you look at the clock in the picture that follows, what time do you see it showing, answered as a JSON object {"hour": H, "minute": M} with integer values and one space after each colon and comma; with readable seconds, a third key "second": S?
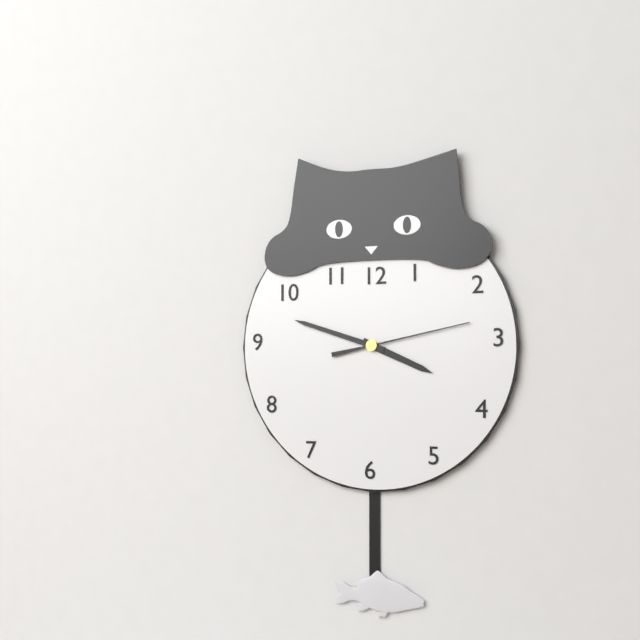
{"hour": 3, "minute": 48, "second": 13}
